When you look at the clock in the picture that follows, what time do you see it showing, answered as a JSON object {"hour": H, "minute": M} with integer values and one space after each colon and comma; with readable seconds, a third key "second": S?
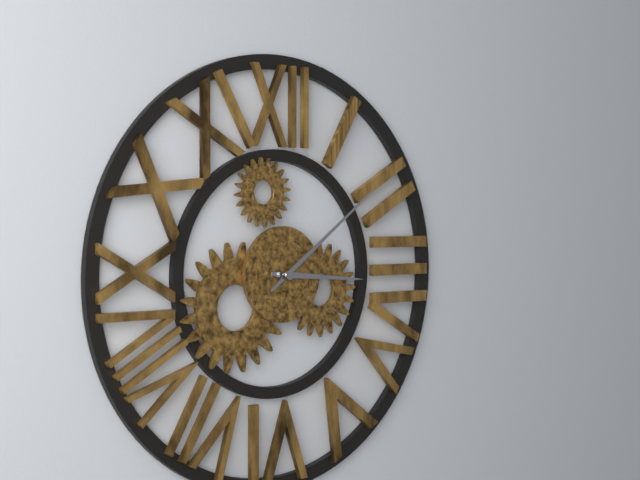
{"hour": 3, "minute": 9}
